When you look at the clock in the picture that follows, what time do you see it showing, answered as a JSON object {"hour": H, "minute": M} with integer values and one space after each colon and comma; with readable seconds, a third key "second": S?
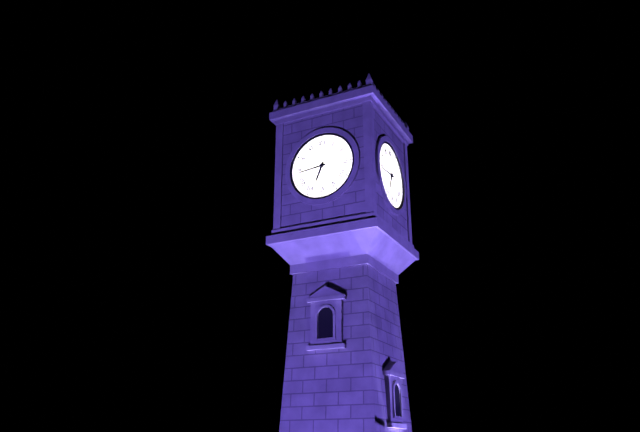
{"hour": 6, "minute": 44}
